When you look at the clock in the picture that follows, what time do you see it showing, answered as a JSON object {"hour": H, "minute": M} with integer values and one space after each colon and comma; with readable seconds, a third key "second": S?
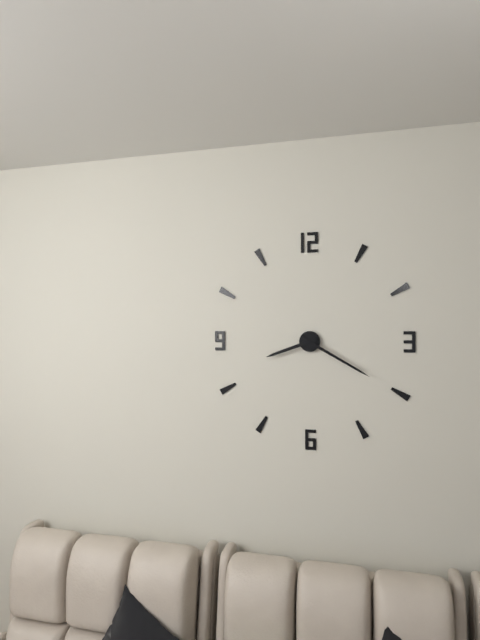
{"hour": 8, "minute": 20}
